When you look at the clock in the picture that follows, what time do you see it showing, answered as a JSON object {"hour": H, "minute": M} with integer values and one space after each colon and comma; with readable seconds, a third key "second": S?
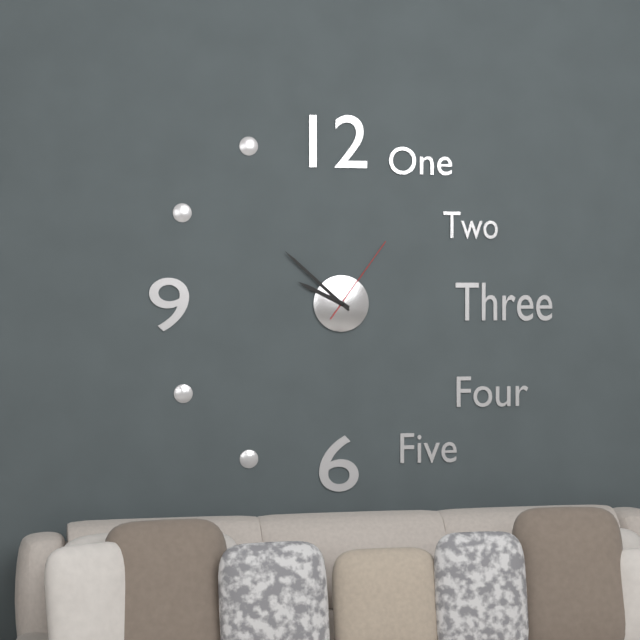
{"hour": 9, "minute": 52, "second": 6}
